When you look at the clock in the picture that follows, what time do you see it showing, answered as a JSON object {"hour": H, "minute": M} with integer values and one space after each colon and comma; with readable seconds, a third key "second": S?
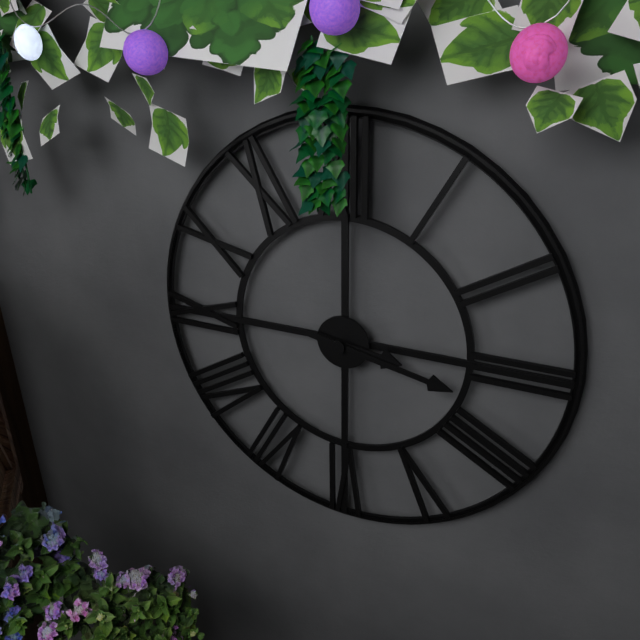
{"hour": 3, "minute": 17}
